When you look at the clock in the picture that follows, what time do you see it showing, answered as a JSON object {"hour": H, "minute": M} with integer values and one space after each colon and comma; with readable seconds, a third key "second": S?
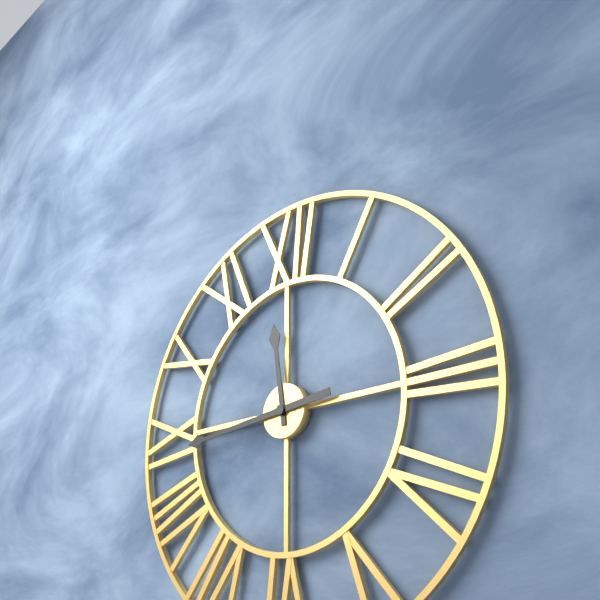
{"hour": 11, "minute": 44}
